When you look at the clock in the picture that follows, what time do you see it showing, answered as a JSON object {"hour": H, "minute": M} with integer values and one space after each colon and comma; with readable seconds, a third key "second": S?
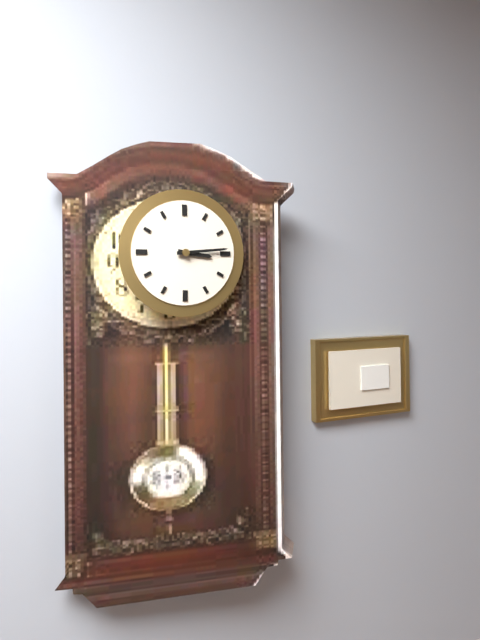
{"hour": 3, "minute": 14}
